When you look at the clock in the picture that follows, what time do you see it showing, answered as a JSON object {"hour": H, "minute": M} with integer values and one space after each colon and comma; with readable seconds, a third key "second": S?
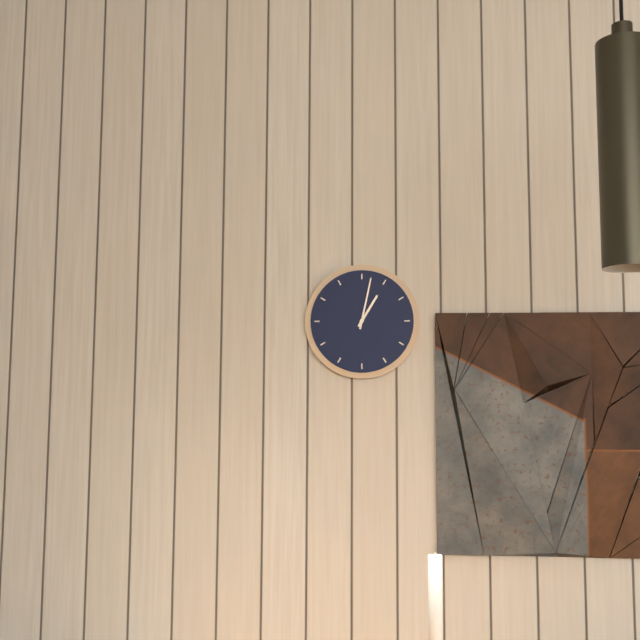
{"hour": 1, "minute": 2}
